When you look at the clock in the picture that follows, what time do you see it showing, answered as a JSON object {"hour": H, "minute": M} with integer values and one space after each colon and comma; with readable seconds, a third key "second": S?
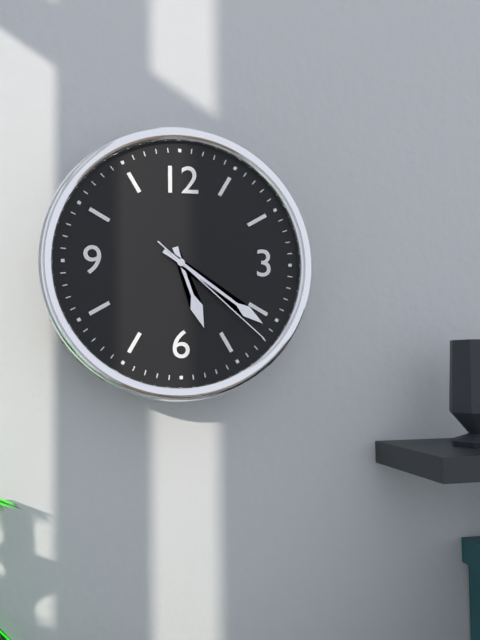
{"hour": 5, "minute": 21, "second": 22}
